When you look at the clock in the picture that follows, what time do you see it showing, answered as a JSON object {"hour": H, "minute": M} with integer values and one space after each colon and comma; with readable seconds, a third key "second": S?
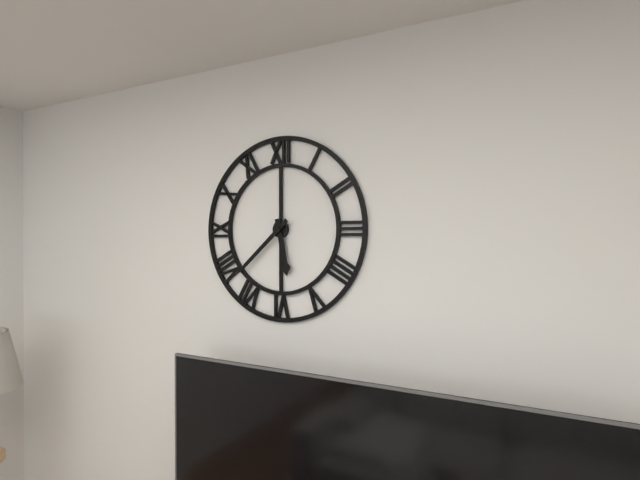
{"hour": 5, "minute": 38}
